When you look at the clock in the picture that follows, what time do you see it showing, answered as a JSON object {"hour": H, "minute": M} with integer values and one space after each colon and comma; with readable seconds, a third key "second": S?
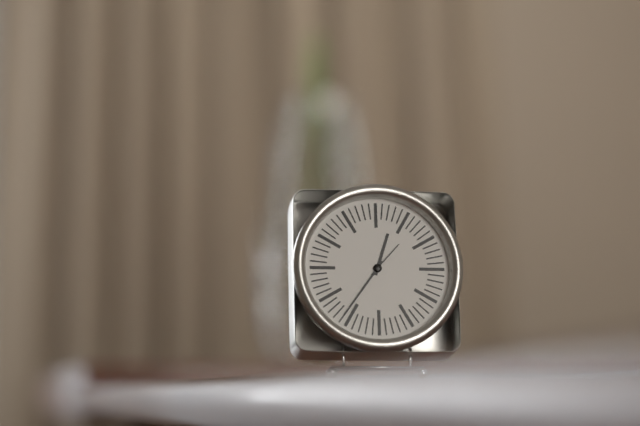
{"hour": 12, "minute": 36}
